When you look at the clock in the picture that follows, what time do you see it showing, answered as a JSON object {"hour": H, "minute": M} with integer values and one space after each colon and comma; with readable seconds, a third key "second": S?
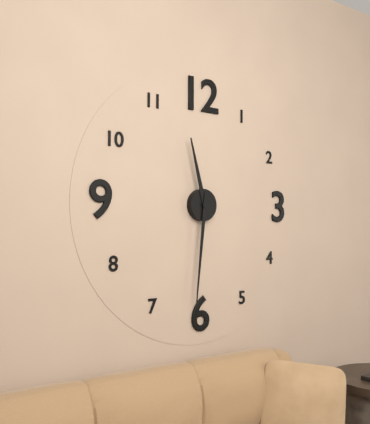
{"hour": 11, "minute": 31}
